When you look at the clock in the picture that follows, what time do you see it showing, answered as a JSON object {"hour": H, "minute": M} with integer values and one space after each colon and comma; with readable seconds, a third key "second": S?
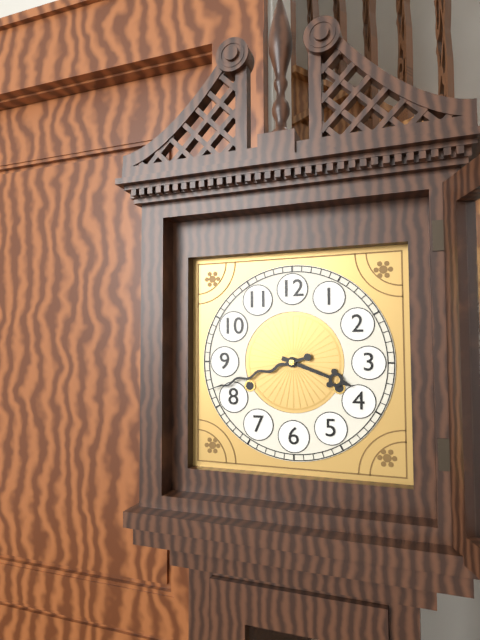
{"hour": 3, "minute": 42}
